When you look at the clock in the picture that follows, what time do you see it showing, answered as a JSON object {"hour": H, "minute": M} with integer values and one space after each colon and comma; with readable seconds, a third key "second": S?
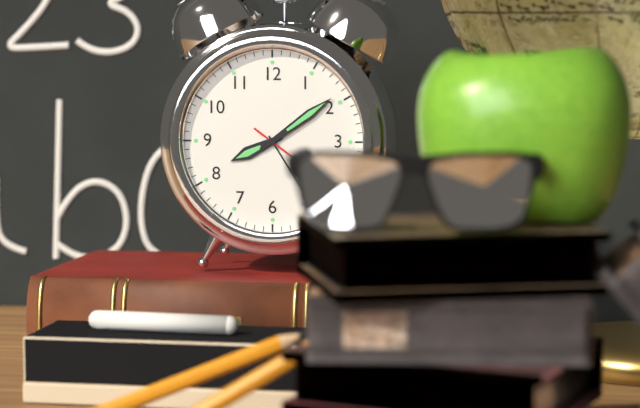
{"hour": 8, "minute": 9}
